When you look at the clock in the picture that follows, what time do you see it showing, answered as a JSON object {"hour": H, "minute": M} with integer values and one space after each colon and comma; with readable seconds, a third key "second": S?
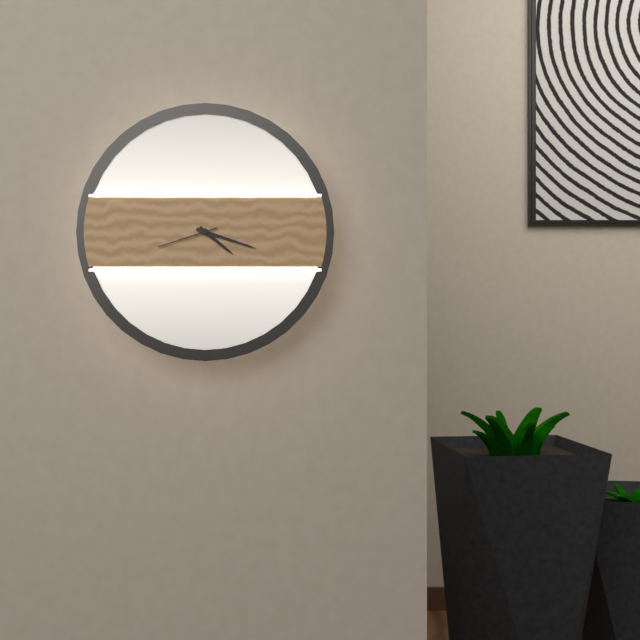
{"hour": 4, "minute": 18, "second": 42}
